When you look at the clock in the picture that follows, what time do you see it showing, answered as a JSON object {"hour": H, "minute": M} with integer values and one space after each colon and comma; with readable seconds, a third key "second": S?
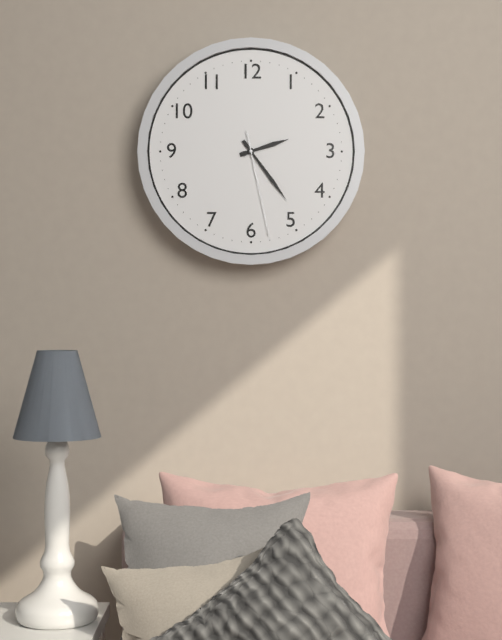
{"hour": 2, "minute": 24, "second": 28}
